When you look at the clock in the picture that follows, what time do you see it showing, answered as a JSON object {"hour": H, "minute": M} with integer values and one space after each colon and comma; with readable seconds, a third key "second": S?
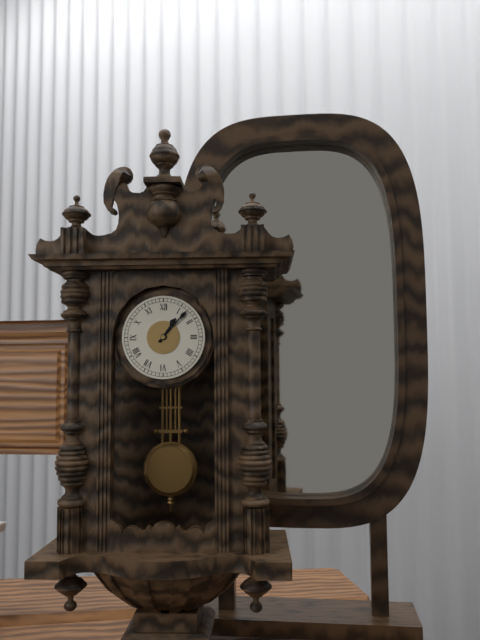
{"hour": 1, "minute": 7}
